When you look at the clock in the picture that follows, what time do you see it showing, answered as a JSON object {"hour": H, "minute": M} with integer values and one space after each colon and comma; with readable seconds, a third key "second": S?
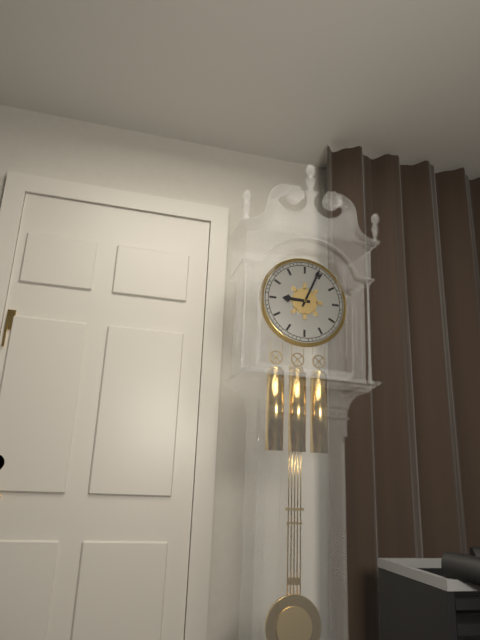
{"hour": 9, "minute": 4}
